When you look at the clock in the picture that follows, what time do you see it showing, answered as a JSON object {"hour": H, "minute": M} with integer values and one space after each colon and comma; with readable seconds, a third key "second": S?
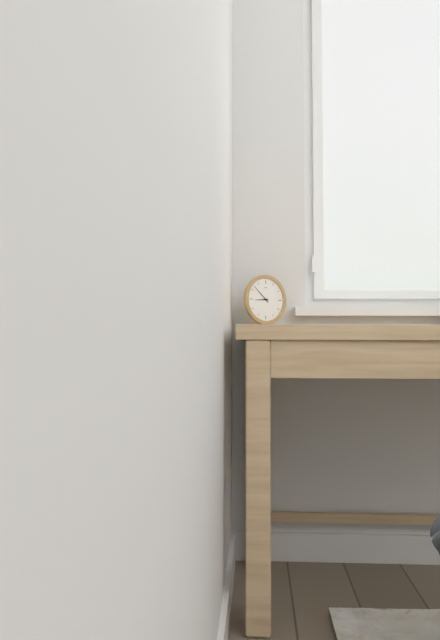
{"hour": 8, "minute": 52}
